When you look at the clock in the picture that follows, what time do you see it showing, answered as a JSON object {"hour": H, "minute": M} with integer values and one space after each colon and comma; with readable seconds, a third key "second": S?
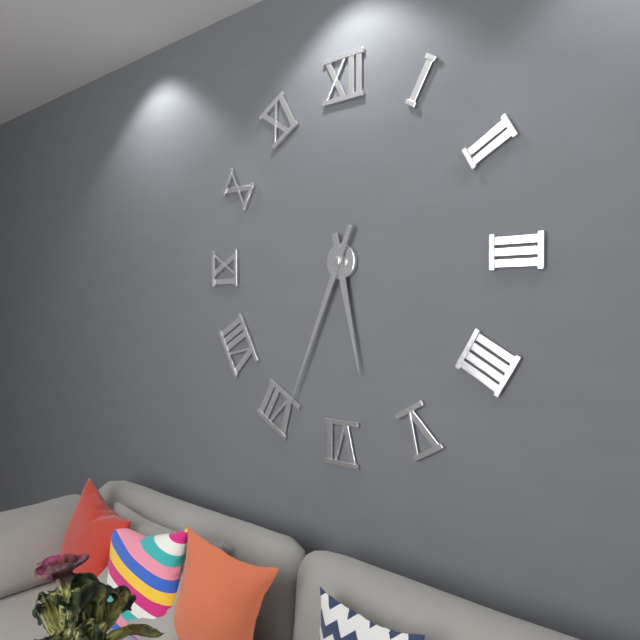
{"hour": 5, "minute": 34}
